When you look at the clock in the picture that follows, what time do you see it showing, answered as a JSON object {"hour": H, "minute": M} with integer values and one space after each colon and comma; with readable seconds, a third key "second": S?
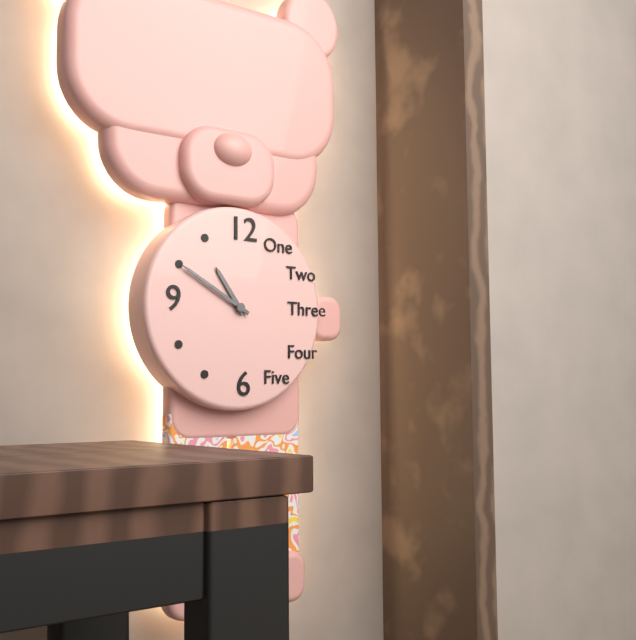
{"hour": 10, "minute": 50}
